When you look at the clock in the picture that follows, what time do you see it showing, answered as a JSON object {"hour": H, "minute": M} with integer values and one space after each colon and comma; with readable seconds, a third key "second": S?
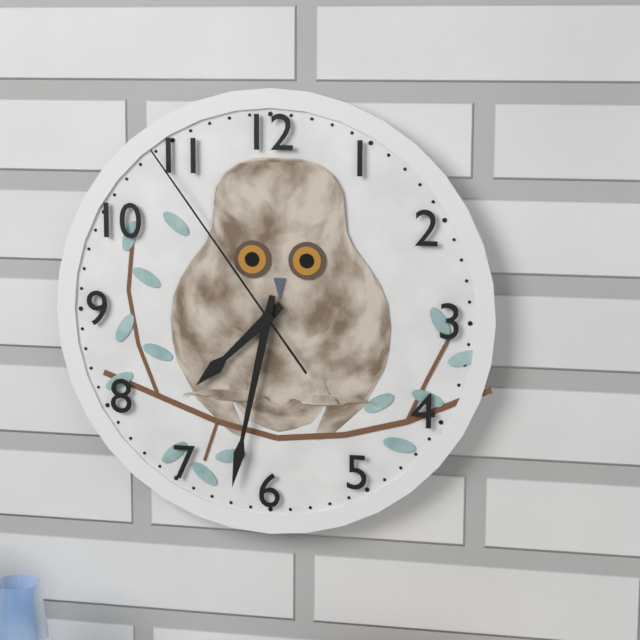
{"hour": 7, "minute": 32, "second": 54}
